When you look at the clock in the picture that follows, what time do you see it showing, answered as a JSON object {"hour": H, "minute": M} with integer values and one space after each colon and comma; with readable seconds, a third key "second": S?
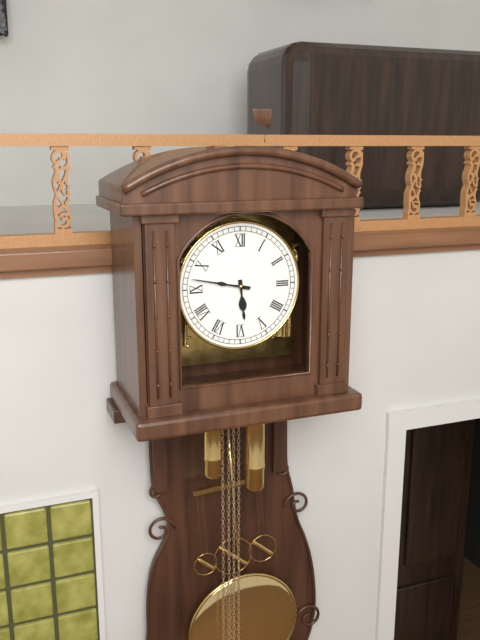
{"hour": 5, "minute": 47}
